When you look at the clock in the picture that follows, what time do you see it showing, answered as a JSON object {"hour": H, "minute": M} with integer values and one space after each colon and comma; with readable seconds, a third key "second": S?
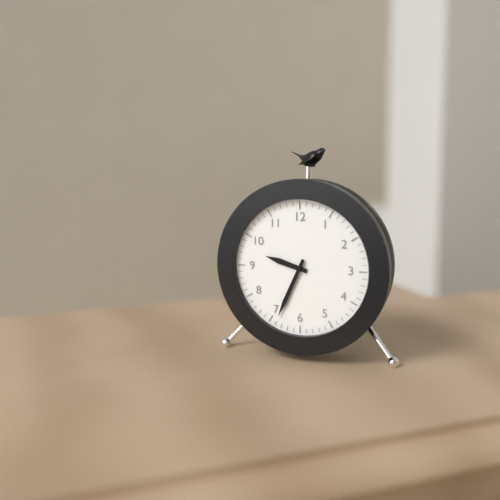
{"hour": 9, "minute": 34}
